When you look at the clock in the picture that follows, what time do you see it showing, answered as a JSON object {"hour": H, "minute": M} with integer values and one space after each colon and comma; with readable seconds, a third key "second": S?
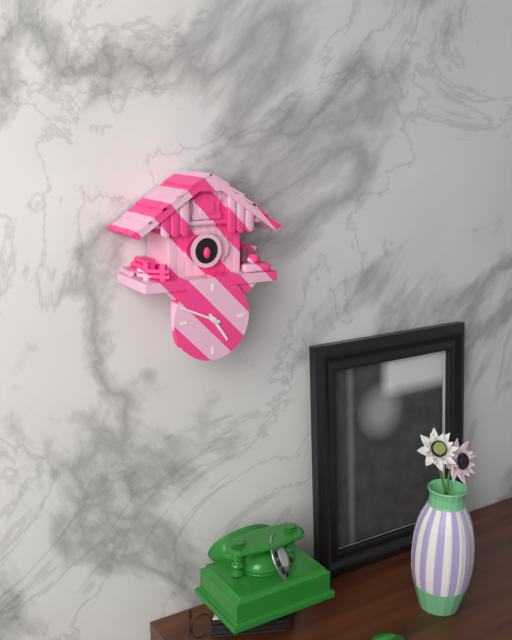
{"hour": 4, "minute": 49}
